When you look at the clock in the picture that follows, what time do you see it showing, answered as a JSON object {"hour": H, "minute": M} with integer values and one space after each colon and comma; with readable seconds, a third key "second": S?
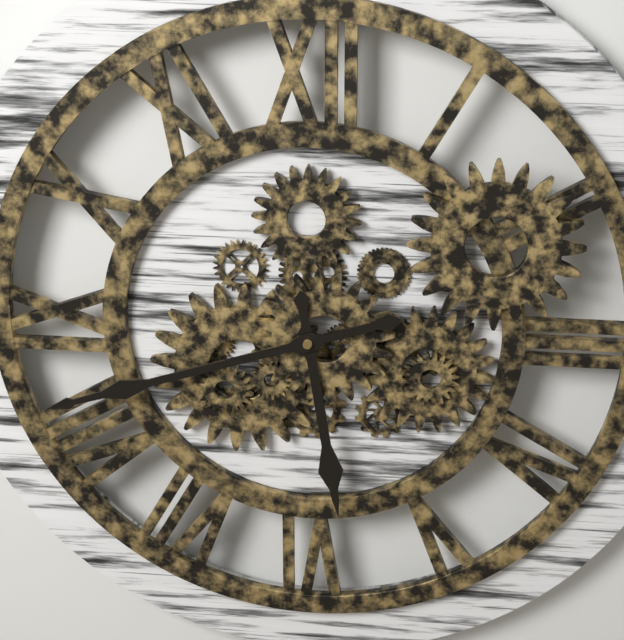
{"hour": 5, "minute": 42}
